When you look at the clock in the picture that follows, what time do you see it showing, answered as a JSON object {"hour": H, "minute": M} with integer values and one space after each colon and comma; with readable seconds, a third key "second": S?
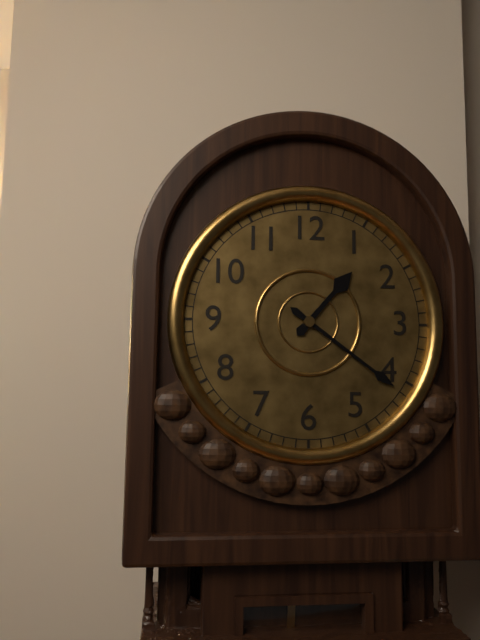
{"hour": 1, "minute": 21}
